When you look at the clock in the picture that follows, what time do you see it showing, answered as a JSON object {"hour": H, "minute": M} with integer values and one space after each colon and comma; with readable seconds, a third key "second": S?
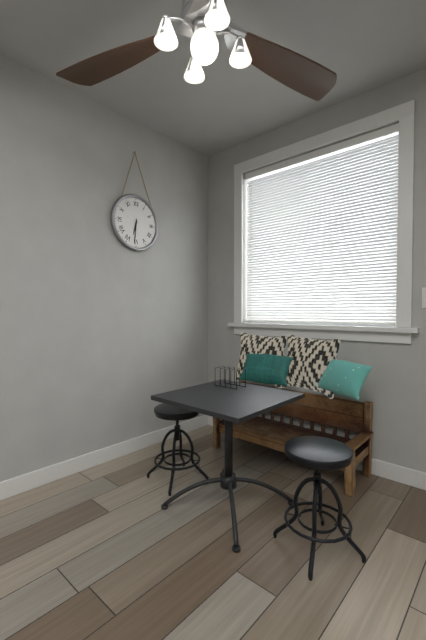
{"hour": 6, "minute": 31}
